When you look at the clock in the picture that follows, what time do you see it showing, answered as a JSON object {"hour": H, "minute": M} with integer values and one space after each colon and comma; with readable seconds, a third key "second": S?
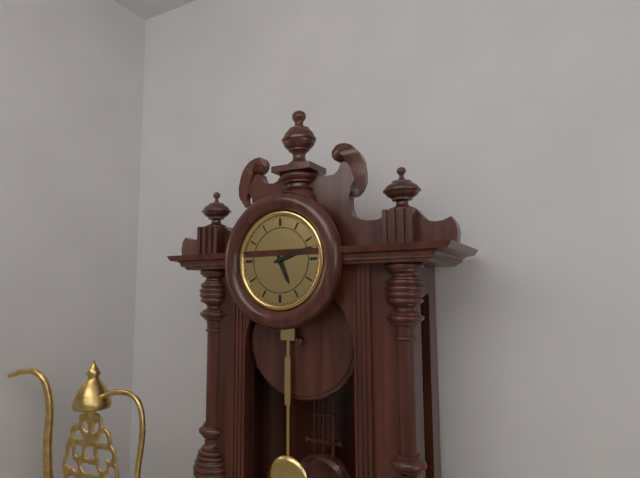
{"hour": 5, "minute": 12}
